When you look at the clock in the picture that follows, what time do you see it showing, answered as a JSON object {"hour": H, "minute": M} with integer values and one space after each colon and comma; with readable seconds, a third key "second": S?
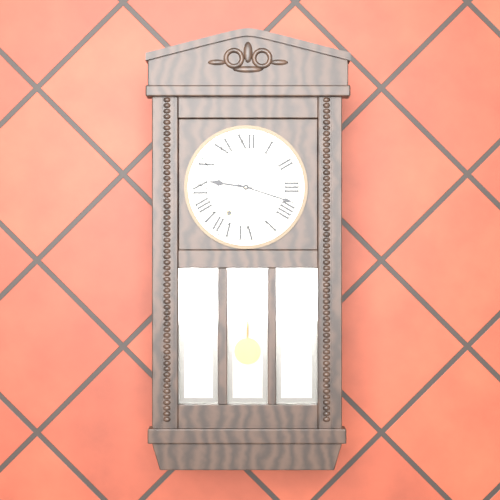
{"hour": 9, "minute": 18}
